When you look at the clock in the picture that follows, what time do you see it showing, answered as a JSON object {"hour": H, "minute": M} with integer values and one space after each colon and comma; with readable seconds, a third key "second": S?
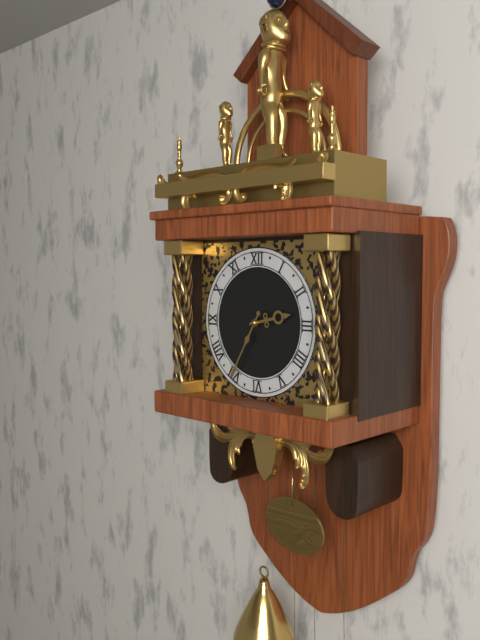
{"hour": 2, "minute": 35}
